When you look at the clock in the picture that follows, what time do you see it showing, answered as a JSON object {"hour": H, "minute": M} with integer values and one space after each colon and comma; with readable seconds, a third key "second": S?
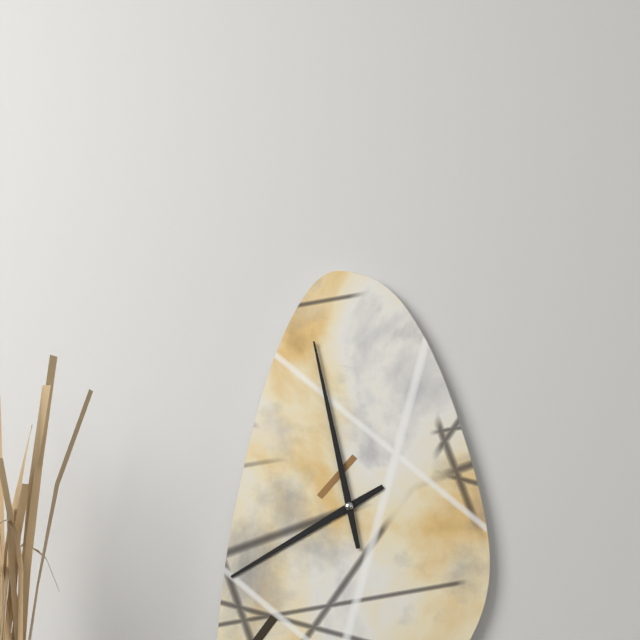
{"hour": 7, "minute": 58}
